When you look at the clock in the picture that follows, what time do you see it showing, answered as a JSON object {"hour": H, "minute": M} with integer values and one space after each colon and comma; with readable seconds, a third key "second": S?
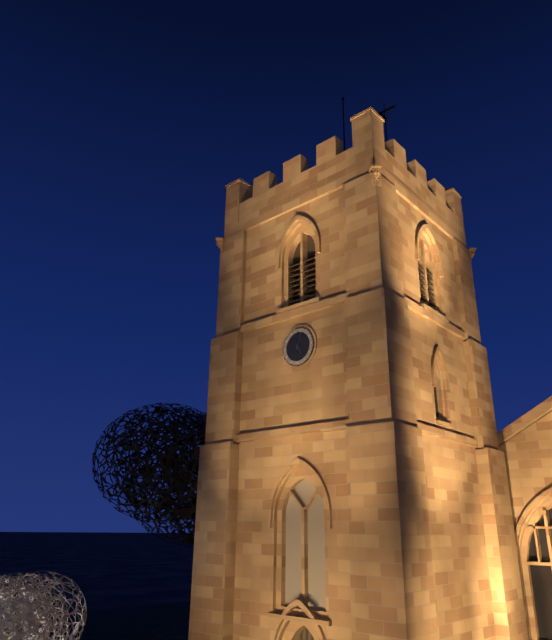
{"hour": 5, "minute": 3}
